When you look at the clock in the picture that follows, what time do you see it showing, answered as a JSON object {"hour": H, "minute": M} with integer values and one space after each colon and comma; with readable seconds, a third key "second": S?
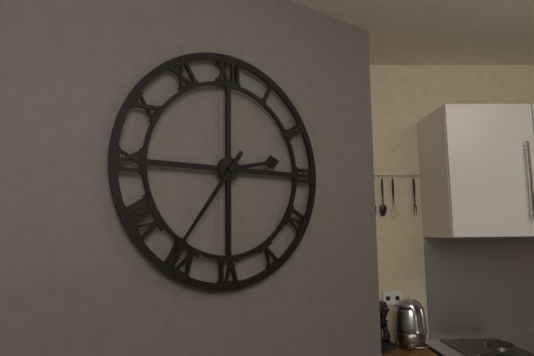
{"hour": 2, "minute": 36}
